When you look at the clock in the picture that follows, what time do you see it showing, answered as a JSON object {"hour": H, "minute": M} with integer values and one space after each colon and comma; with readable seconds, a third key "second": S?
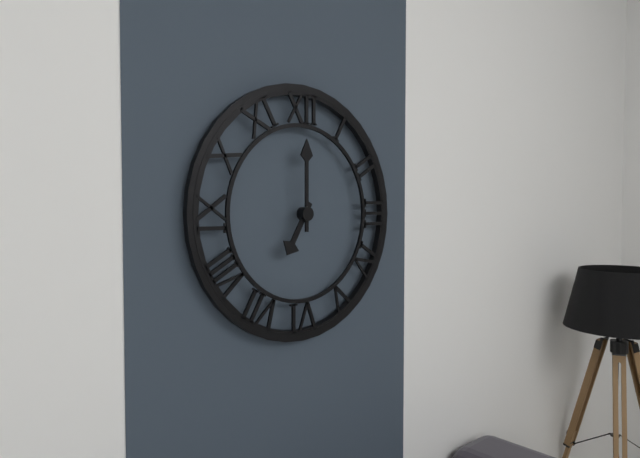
{"hour": 7, "minute": 0}
